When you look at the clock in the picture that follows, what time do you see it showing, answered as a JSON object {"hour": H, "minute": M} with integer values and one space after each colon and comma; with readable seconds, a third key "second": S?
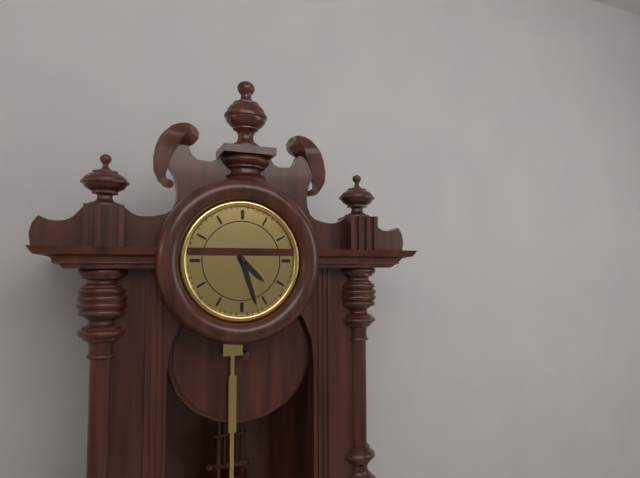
{"hour": 4, "minute": 27}
